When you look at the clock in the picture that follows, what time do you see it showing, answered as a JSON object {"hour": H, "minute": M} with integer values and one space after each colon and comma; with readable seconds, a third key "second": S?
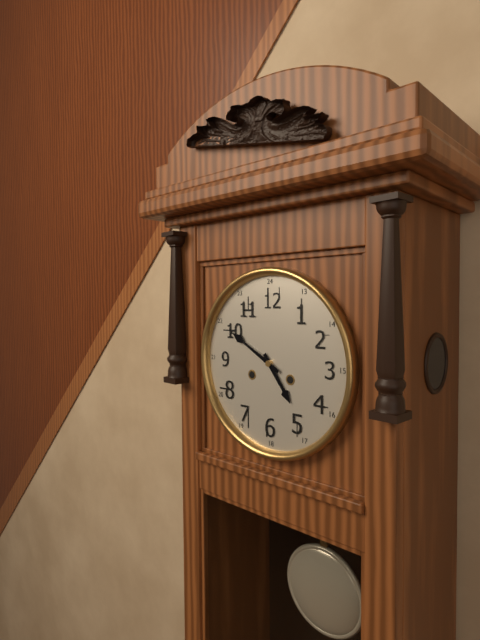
{"hour": 4, "minute": 50}
